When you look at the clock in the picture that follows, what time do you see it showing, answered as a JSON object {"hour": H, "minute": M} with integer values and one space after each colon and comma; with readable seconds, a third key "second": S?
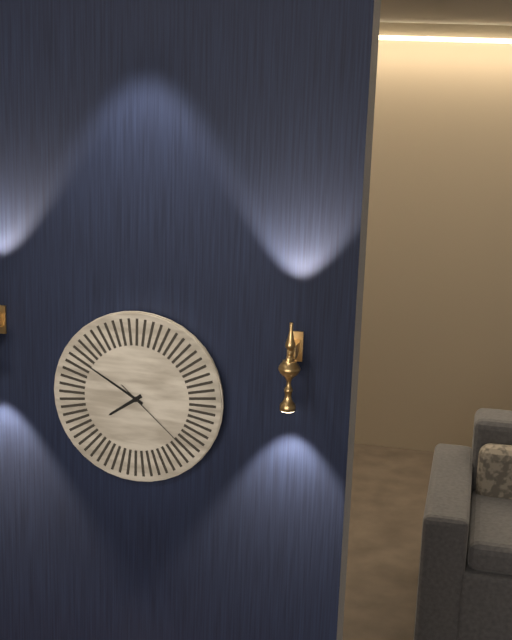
{"hour": 7, "minute": 50, "second": 22}
